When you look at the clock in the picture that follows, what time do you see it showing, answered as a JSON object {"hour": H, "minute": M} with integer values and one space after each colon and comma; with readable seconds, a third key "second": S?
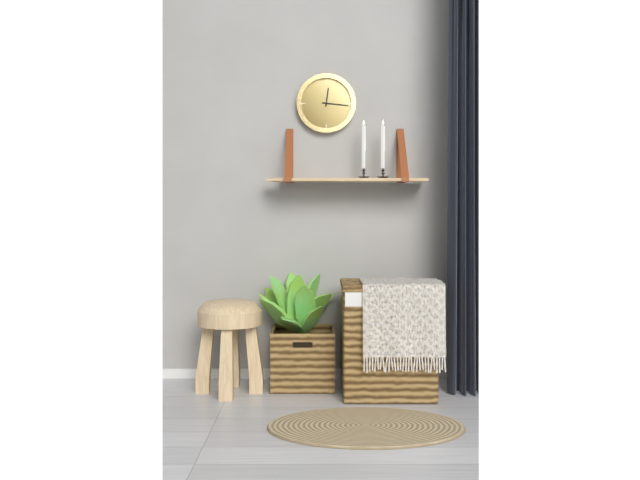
{"hour": 12, "minute": 16}
